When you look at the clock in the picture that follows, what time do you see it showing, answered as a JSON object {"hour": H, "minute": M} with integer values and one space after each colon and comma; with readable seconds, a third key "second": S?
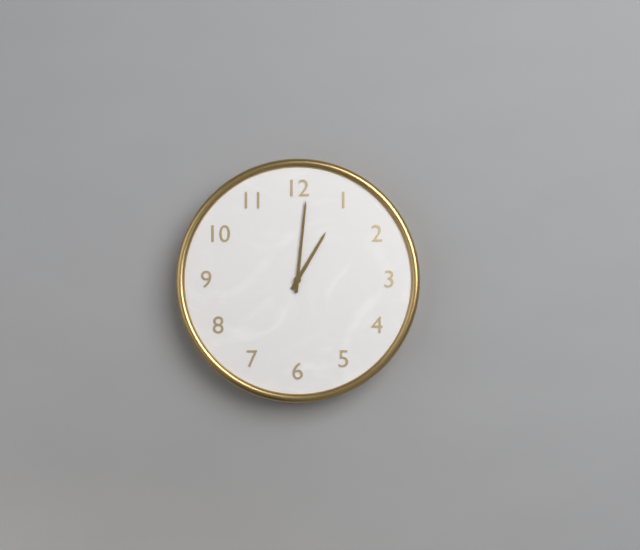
{"hour": 1, "minute": 1}
